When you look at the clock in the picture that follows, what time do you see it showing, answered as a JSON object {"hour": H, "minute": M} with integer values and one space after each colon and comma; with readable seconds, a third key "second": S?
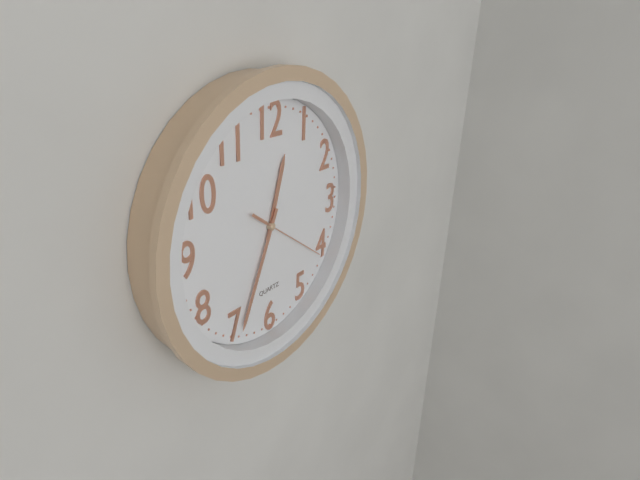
{"hour": 12, "minute": 34, "second": 21}
